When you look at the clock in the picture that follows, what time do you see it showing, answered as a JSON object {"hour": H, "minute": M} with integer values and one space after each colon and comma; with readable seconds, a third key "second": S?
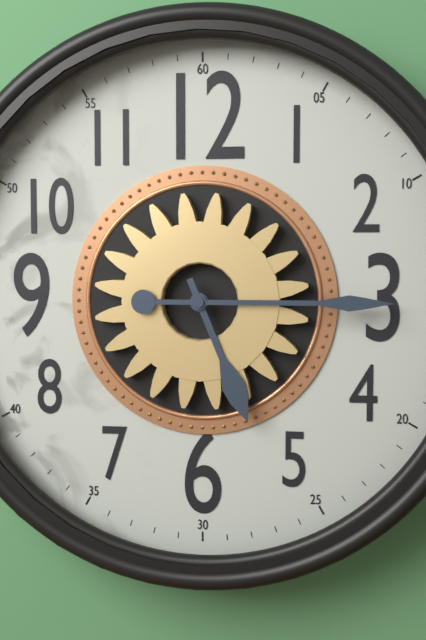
{"hour": 5, "minute": 15}
